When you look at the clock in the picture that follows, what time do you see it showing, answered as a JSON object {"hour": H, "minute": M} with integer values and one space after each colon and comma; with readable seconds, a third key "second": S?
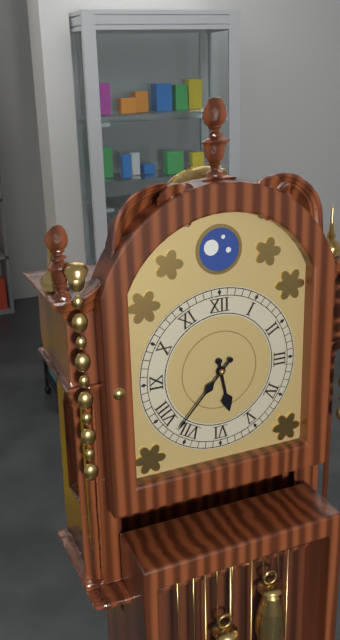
{"hour": 5, "minute": 37}
